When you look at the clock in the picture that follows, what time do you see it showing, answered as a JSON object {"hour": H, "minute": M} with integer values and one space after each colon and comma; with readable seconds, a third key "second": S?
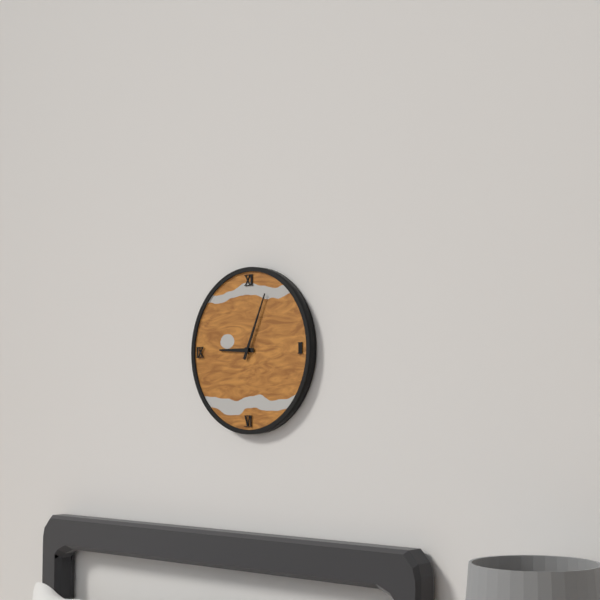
{"hour": 9, "minute": 4}
